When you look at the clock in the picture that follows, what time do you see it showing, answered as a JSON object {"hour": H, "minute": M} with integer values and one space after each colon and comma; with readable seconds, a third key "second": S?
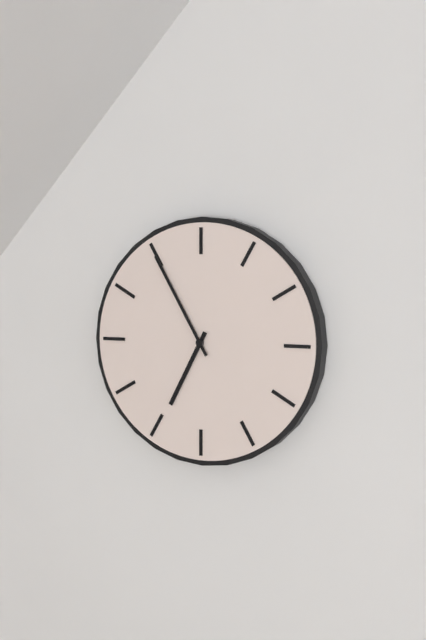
{"hour": 6, "minute": 55}
